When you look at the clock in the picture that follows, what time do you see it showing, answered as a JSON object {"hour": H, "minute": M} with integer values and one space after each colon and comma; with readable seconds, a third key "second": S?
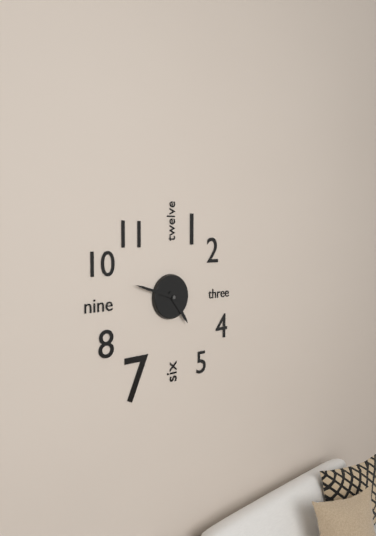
{"hour": 4, "minute": 48}
